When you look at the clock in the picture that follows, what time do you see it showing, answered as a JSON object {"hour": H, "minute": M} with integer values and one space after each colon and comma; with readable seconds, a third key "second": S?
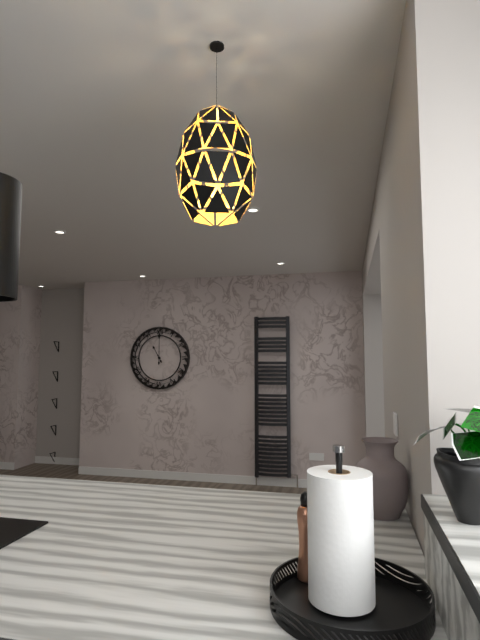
{"hour": 11, "minute": 0}
